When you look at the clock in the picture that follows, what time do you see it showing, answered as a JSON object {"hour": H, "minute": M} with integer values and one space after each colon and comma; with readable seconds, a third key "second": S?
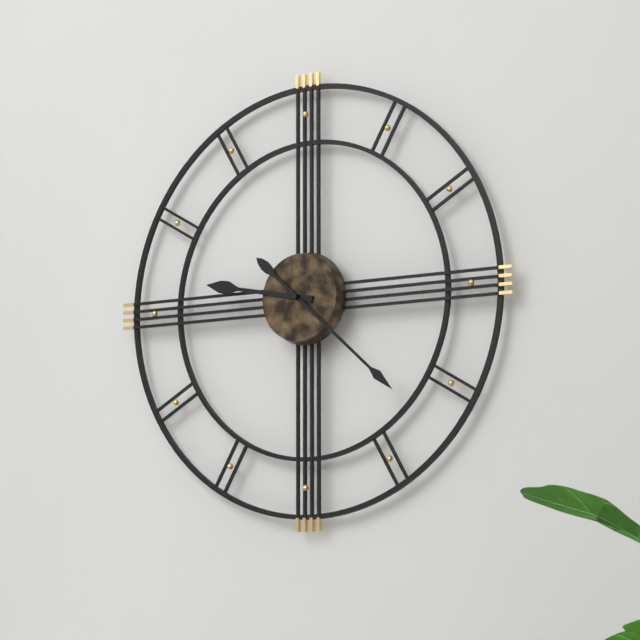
{"hour": 9, "minute": 22}
